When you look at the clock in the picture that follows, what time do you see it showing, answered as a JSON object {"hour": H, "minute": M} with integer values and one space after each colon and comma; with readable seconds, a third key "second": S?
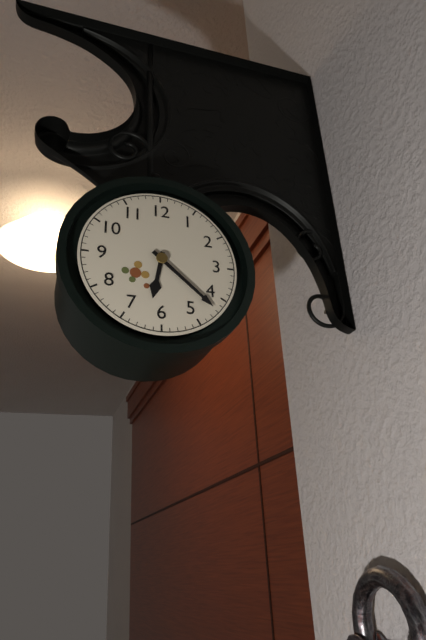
{"hour": 6, "minute": 22}
